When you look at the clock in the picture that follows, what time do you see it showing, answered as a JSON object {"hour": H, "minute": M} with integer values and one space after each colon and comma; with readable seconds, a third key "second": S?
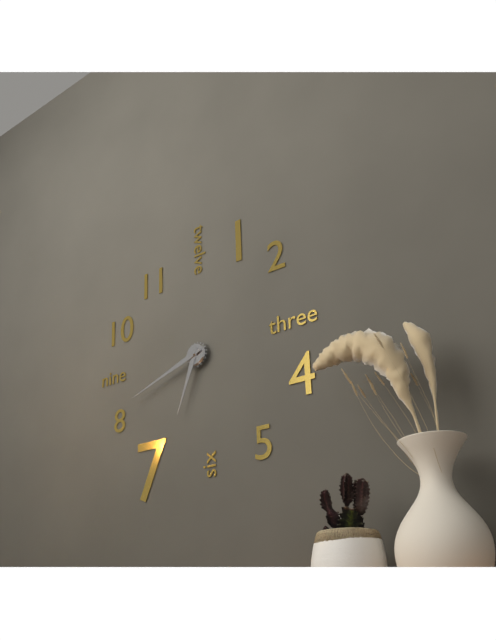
{"hour": 6, "minute": 42}
